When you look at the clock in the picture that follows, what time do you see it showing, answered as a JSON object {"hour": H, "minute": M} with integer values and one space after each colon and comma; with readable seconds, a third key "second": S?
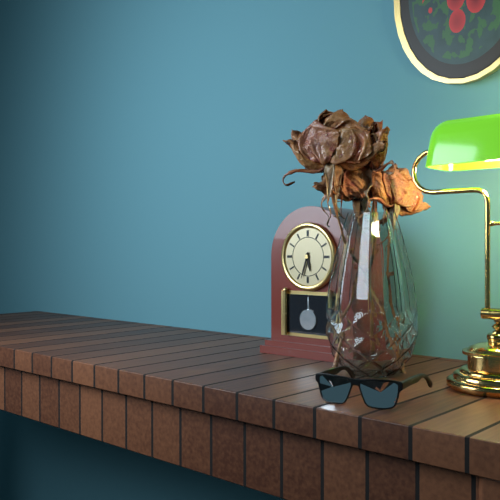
{"hour": 5, "minute": 33}
